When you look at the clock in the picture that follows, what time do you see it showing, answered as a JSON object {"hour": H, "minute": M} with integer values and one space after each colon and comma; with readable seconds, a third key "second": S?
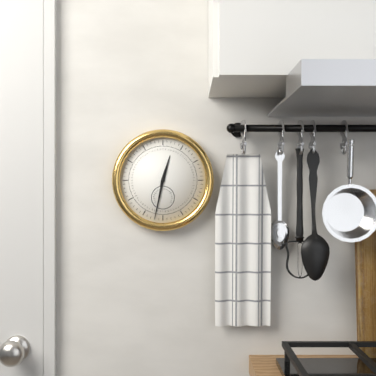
{"hour": 12, "minute": 32}
